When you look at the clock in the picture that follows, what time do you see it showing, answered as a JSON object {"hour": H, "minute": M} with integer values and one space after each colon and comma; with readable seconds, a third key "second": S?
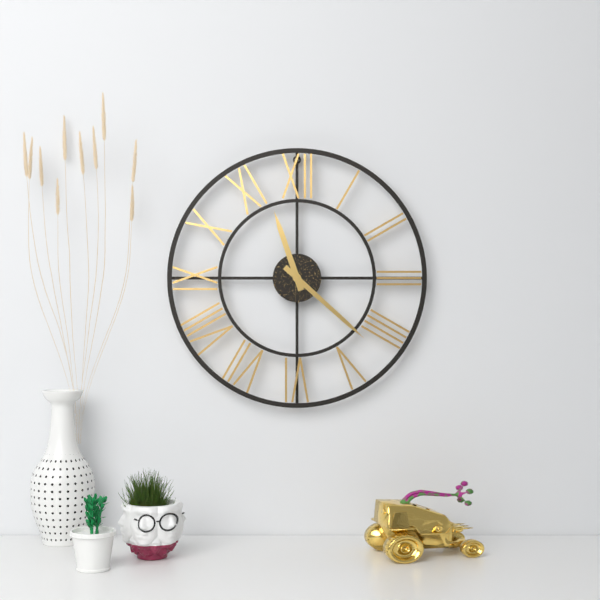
{"hour": 11, "minute": 22}
